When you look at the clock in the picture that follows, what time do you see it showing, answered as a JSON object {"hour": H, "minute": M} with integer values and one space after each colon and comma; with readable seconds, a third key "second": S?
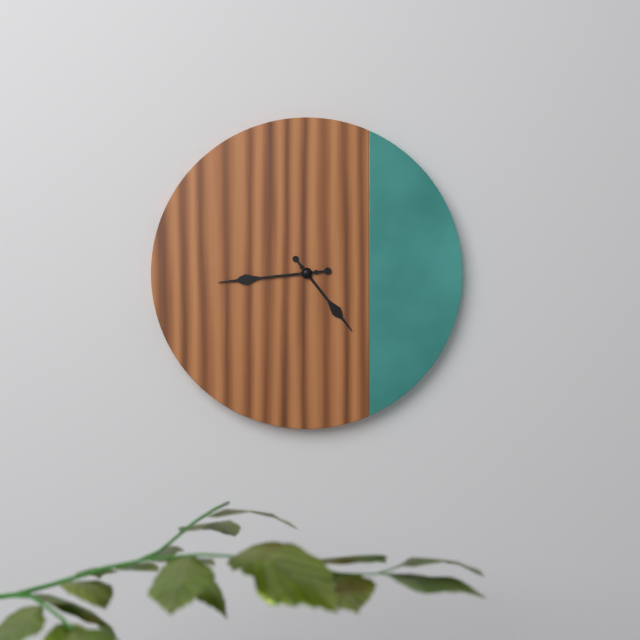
{"hour": 4, "minute": 44}
